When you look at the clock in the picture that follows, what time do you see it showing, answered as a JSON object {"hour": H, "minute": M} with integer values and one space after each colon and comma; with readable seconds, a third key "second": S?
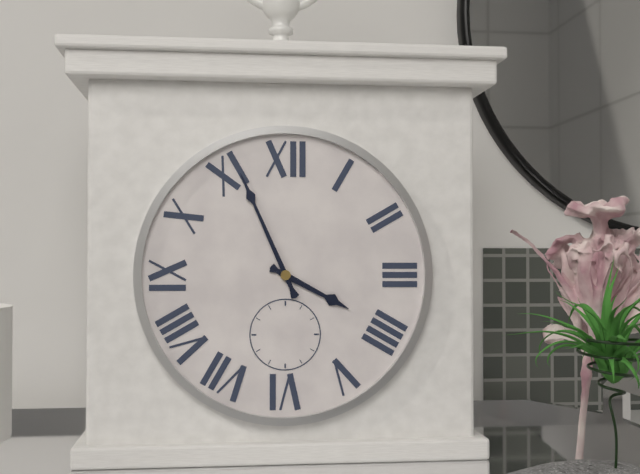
{"hour": 3, "minute": 56}
